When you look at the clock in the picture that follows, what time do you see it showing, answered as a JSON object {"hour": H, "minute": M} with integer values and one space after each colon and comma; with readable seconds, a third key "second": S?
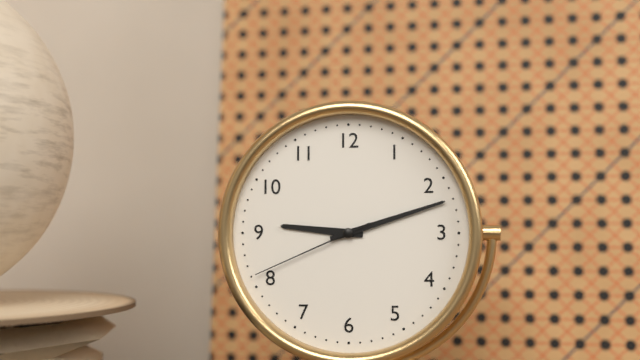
{"hour": 9, "minute": 12, "second": 41}
